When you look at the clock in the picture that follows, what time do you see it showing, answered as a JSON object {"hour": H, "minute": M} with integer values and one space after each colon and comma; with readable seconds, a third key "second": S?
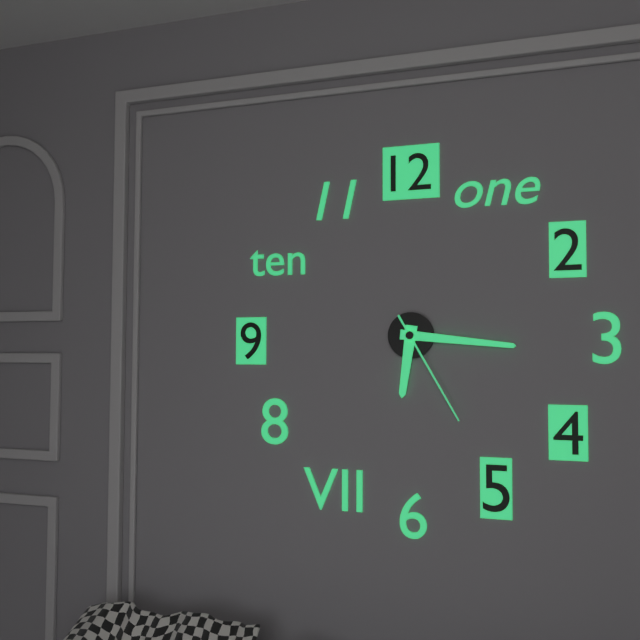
{"hour": 6, "minute": 16, "second": 25}
